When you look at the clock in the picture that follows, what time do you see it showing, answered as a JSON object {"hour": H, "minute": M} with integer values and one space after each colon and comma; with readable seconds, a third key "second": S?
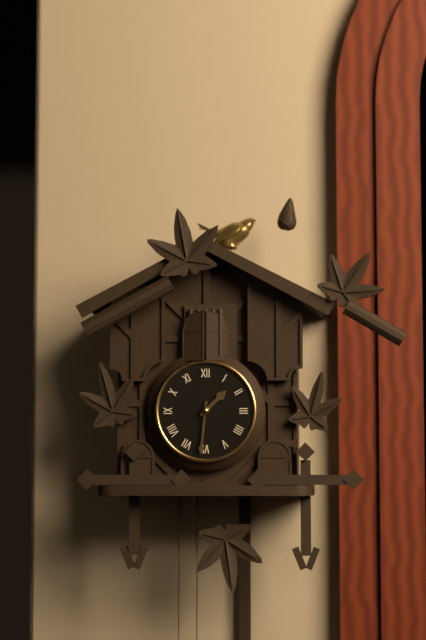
{"hour": 1, "minute": 31}
